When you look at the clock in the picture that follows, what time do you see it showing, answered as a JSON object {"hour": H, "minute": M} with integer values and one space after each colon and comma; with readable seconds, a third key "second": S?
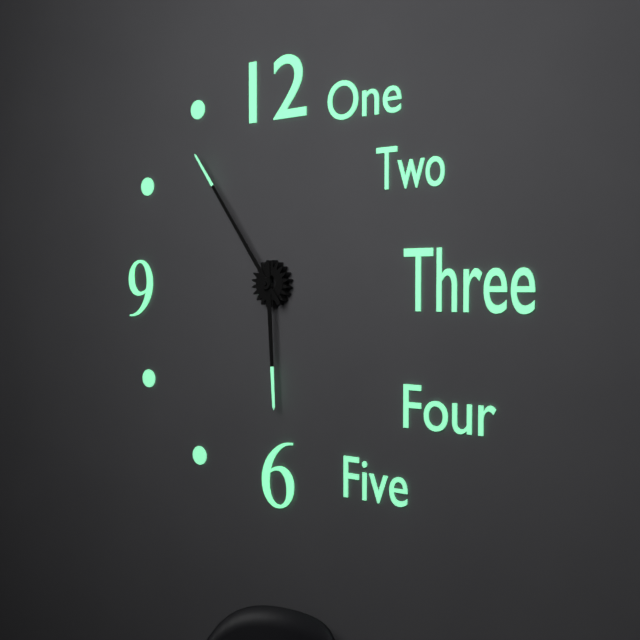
{"hour": 5, "minute": 54}
